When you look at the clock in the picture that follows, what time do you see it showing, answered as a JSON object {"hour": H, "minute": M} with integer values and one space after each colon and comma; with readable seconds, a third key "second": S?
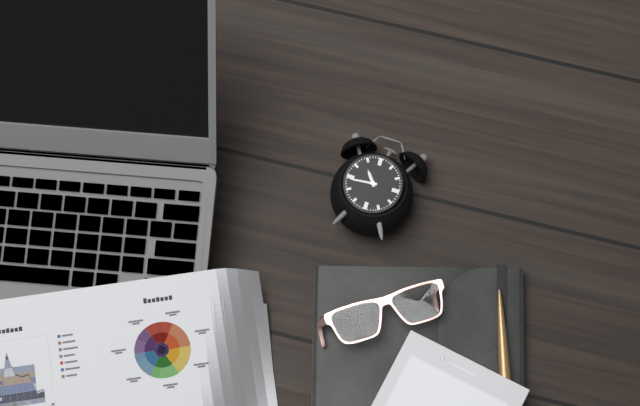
{"hour": 10, "minute": 44}
